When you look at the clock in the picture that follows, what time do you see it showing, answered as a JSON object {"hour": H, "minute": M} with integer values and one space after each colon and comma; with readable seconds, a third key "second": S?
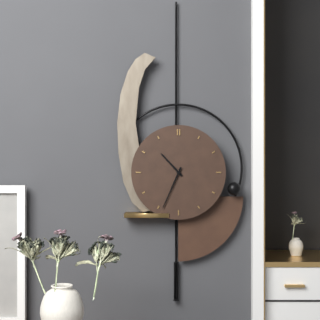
{"hour": 10, "minute": 34}
